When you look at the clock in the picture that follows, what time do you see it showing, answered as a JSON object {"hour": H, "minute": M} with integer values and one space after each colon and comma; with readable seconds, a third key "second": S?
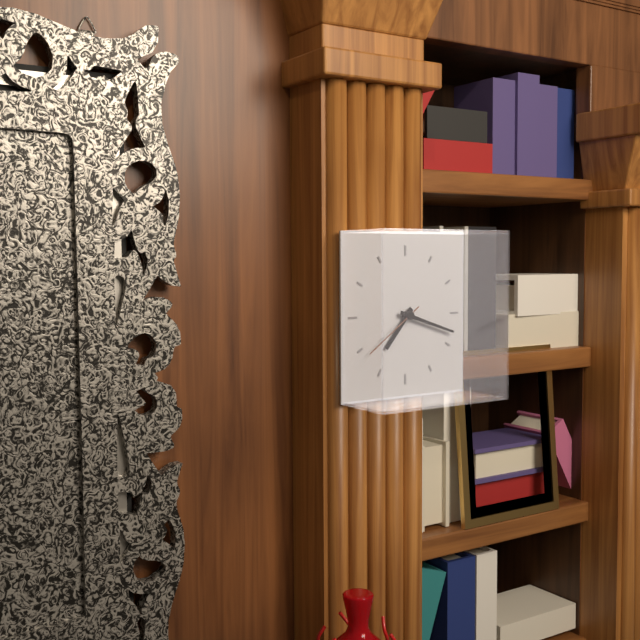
{"hour": 7, "minute": 18, "second": 39}
